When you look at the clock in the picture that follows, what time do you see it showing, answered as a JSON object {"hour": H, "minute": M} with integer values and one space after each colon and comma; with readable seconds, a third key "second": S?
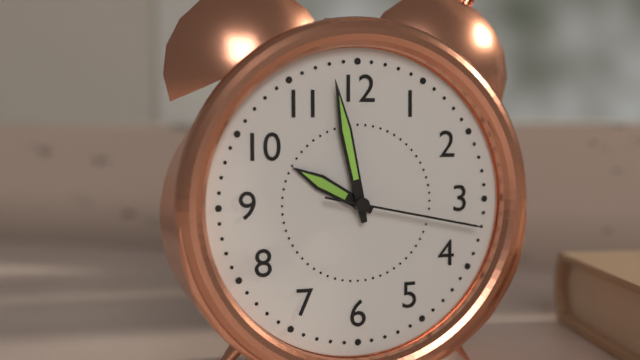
{"hour": 9, "minute": 58, "second": 17}
